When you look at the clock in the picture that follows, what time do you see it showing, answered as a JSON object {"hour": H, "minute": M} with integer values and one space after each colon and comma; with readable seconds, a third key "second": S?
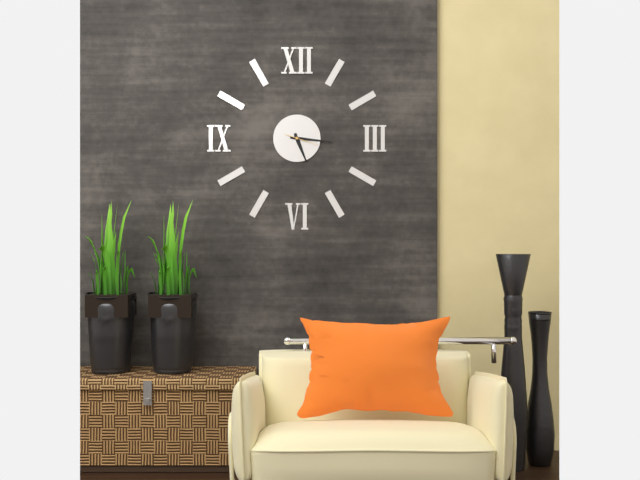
{"hour": 5, "minute": 16}
